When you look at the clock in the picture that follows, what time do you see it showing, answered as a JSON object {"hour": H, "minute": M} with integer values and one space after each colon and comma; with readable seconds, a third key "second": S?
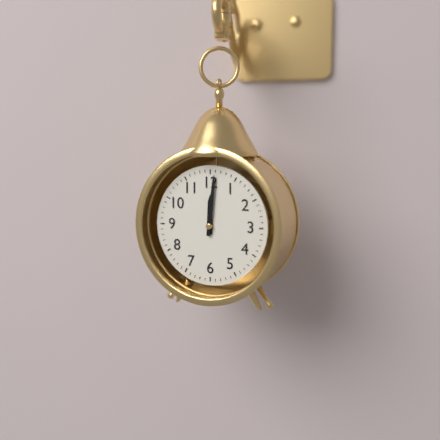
{"hour": 12, "minute": 1}
